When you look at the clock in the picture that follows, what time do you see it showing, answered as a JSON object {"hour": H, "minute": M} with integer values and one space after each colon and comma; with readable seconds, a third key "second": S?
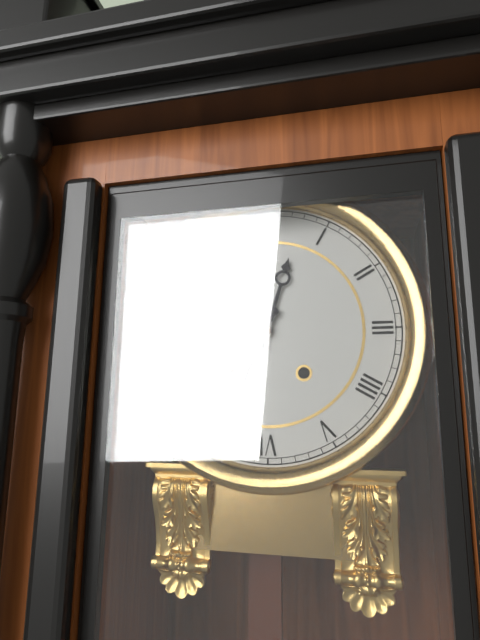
{"hour": 12, "minute": 34}
